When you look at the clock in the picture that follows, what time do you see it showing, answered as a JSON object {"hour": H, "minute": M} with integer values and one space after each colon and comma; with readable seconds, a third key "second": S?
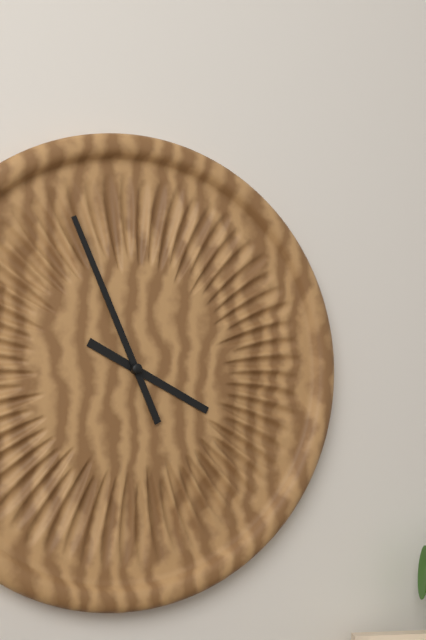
{"hour": 3, "minute": 56}
